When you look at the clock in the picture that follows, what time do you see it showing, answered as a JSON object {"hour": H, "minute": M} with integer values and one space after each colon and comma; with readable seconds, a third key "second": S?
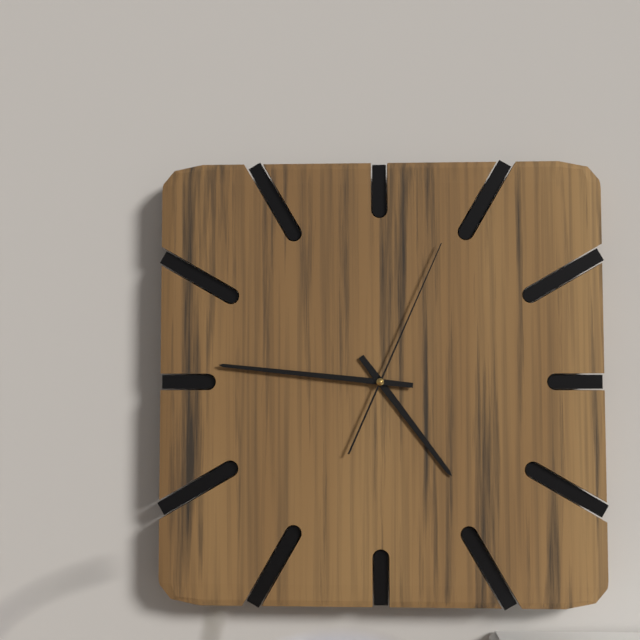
{"hour": 4, "minute": 46, "second": 4}
